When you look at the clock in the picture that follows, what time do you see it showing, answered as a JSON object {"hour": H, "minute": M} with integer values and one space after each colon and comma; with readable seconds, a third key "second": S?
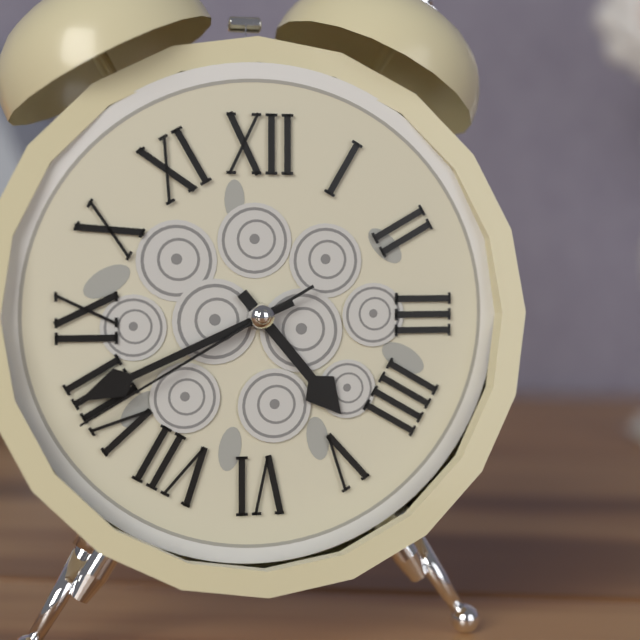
{"hour": 4, "minute": 41, "second": 40}
